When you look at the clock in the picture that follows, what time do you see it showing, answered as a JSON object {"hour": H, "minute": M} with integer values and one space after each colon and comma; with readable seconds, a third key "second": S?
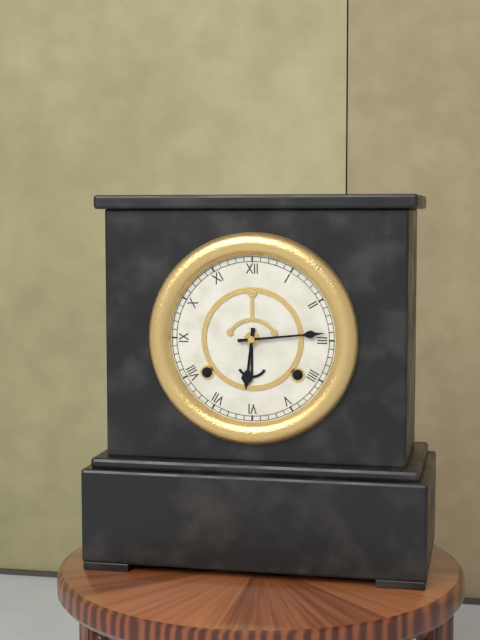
{"hour": 6, "minute": 14}
